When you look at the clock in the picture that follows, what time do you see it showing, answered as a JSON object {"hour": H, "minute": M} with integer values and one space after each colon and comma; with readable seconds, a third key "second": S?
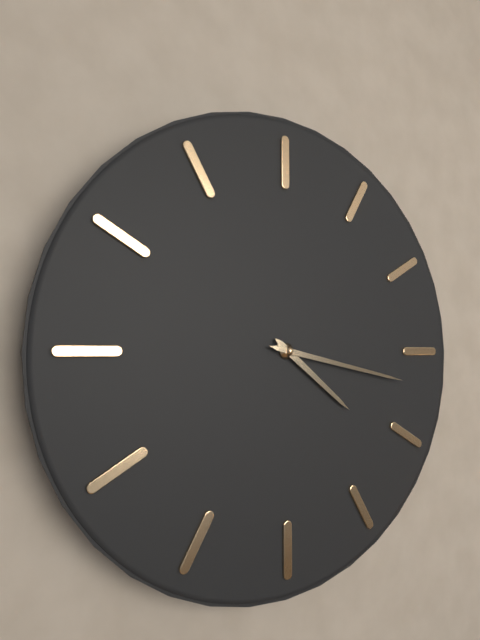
{"hour": 4, "minute": 17}
